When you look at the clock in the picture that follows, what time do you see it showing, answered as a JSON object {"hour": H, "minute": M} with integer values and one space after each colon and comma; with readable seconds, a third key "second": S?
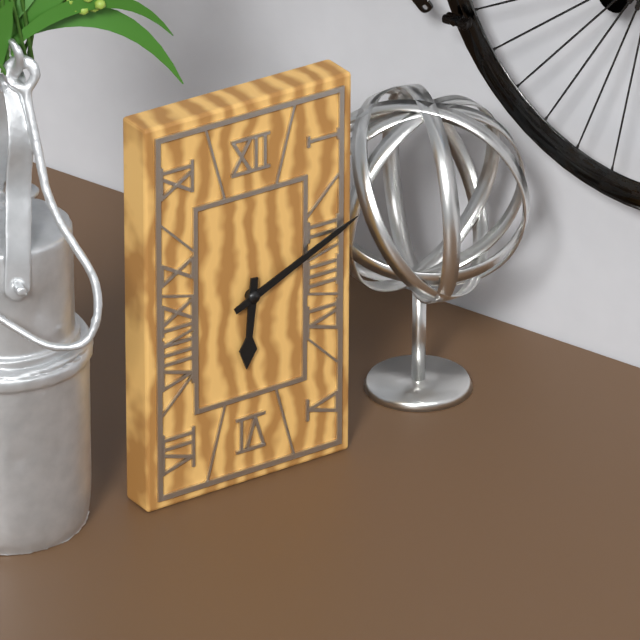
{"hour": 6, "minute": 11}
